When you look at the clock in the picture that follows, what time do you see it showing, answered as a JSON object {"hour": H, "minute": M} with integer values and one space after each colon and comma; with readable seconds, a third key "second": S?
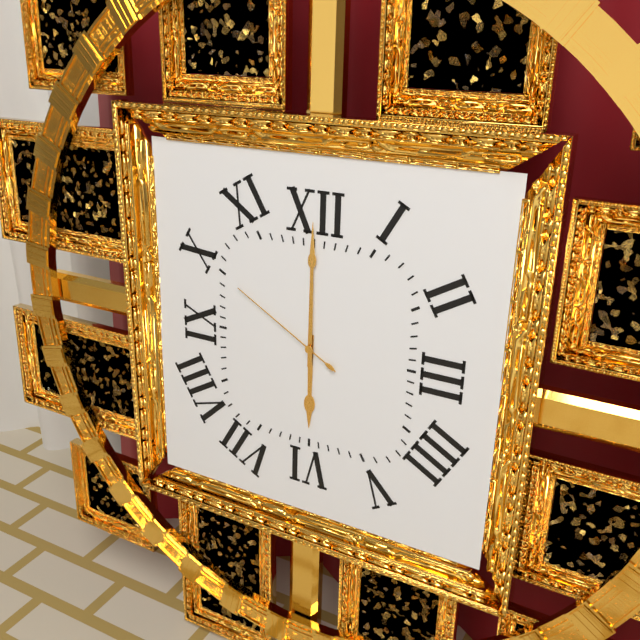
{"hour": 6, "minute": 0, "second": 50}
